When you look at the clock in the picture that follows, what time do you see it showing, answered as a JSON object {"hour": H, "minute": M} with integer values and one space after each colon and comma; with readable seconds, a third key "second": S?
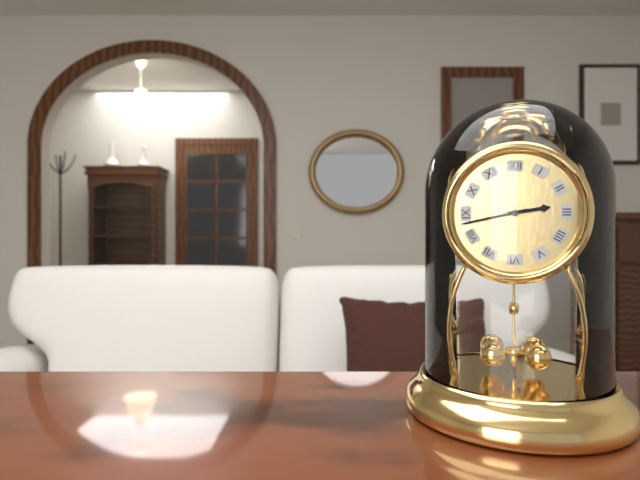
{"hour": 2, "minute": 43}
